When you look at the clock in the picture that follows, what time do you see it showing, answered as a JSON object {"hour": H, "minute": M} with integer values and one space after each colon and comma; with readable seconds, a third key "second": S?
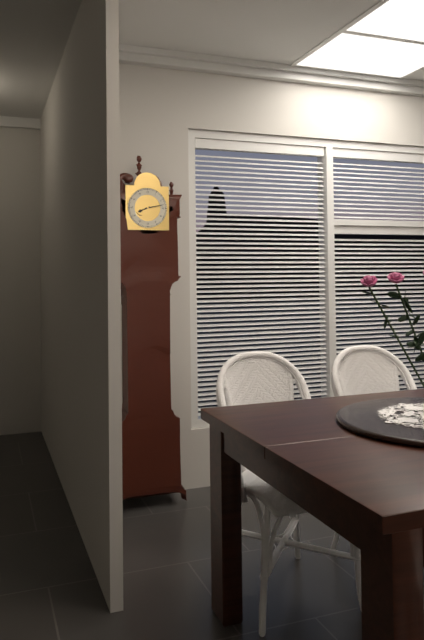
{"hour": 8, "minute": 13}
